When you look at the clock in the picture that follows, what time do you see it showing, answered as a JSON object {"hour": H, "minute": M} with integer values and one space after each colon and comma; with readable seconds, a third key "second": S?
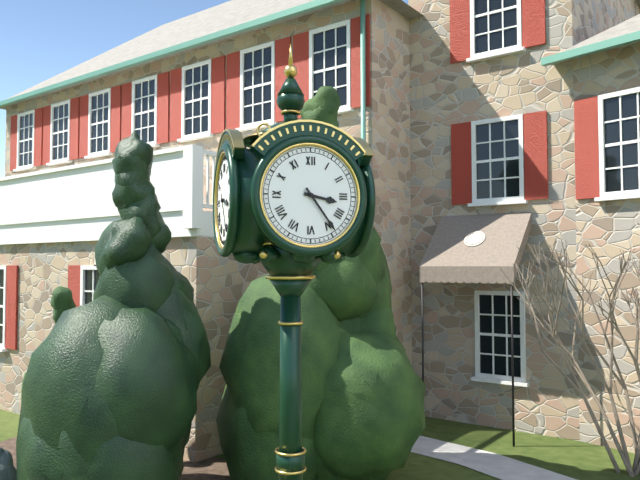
{"hour": 3, "minute": 24}
